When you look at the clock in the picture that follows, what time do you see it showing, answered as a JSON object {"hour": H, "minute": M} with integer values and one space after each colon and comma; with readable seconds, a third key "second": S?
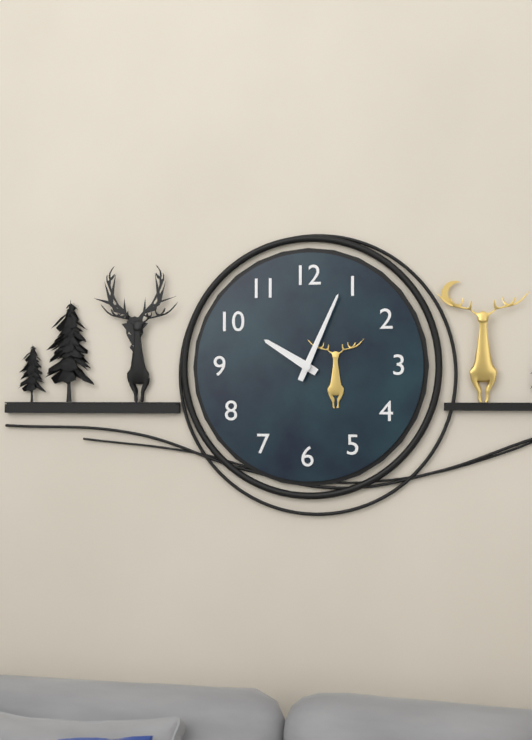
{"hour": 10, "minute": 4}
